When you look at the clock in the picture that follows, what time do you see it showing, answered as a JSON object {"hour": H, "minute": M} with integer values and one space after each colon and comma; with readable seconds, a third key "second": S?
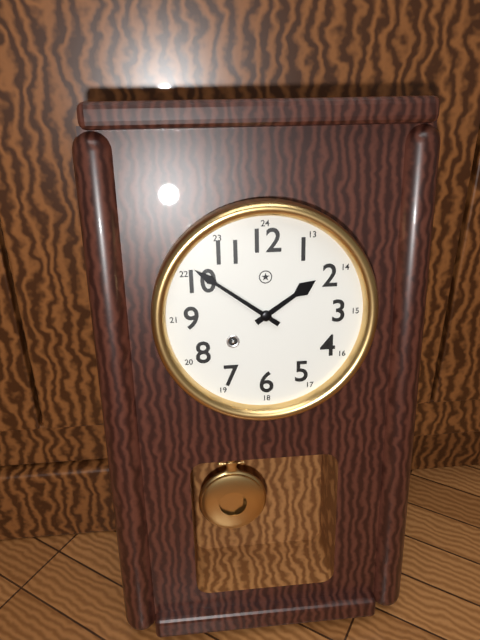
{"hour": 1, "minute": 51}
